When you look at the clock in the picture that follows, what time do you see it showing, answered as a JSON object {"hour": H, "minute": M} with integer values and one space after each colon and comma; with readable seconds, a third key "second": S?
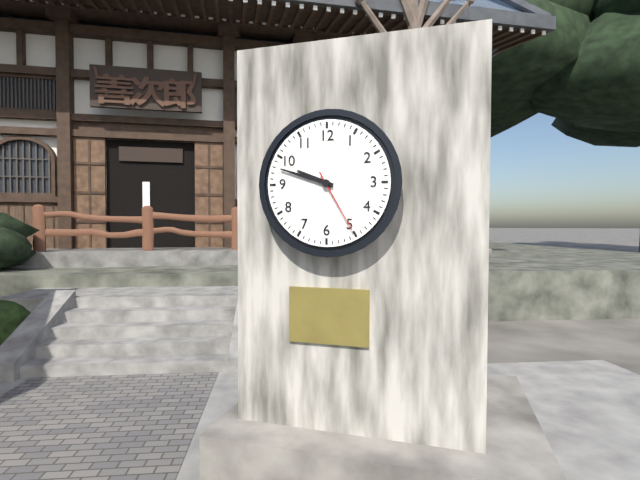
{"hour": 9, "minute": 48, "second": 25}
